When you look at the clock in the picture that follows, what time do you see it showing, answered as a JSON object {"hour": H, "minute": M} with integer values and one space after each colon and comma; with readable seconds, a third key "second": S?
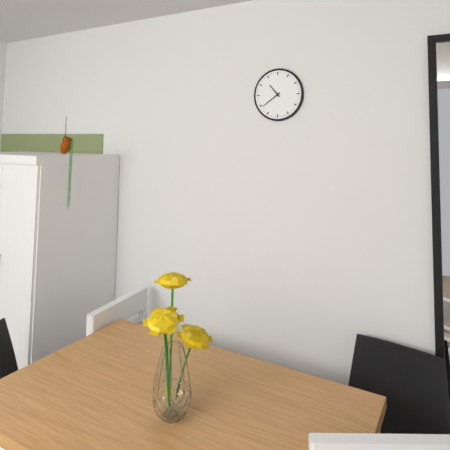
{"hour": 10, "minute": 39}
